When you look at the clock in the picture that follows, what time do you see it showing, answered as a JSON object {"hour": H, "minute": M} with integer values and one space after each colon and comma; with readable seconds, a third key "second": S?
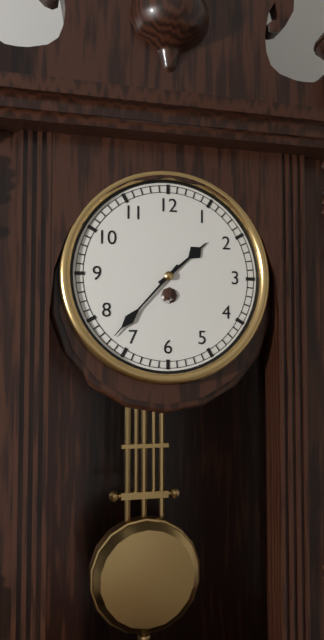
{"hour": 1, "minute": 37}
